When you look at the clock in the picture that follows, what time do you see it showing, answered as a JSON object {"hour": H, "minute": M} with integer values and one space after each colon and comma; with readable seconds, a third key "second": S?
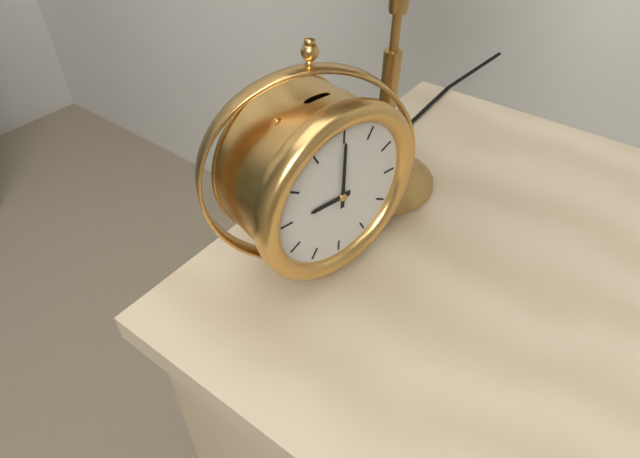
{"hour": 9, "minute": 0}
